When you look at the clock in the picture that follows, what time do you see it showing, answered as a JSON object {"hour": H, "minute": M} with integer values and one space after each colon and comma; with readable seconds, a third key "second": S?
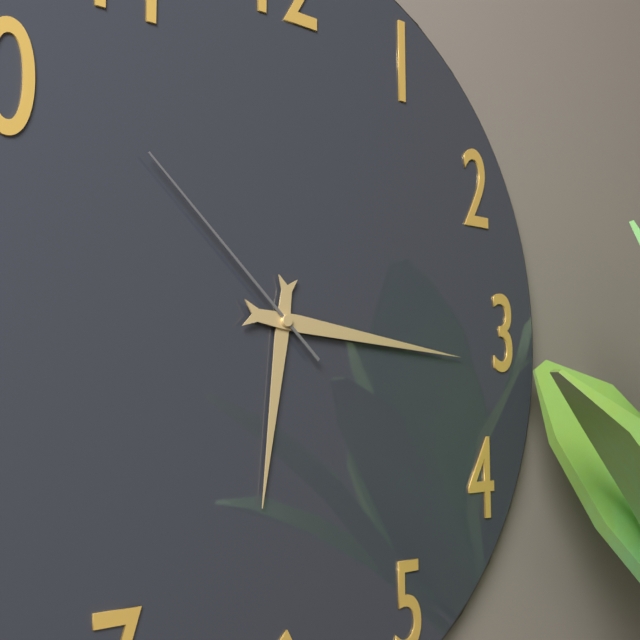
{"hour": 6, "minute": 16, "second": 52}
